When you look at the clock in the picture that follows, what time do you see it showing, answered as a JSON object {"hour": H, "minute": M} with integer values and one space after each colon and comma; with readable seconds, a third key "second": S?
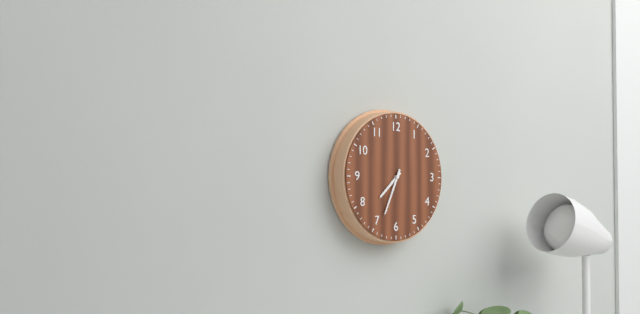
{"hour": 7, "minute": 34}
